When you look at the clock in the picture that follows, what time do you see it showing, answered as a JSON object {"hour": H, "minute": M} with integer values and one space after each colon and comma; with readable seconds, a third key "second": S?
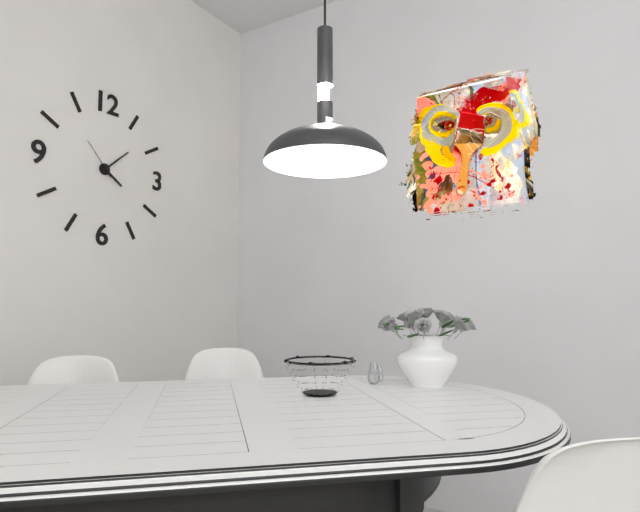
{"hour": 4, "minute": 8}
